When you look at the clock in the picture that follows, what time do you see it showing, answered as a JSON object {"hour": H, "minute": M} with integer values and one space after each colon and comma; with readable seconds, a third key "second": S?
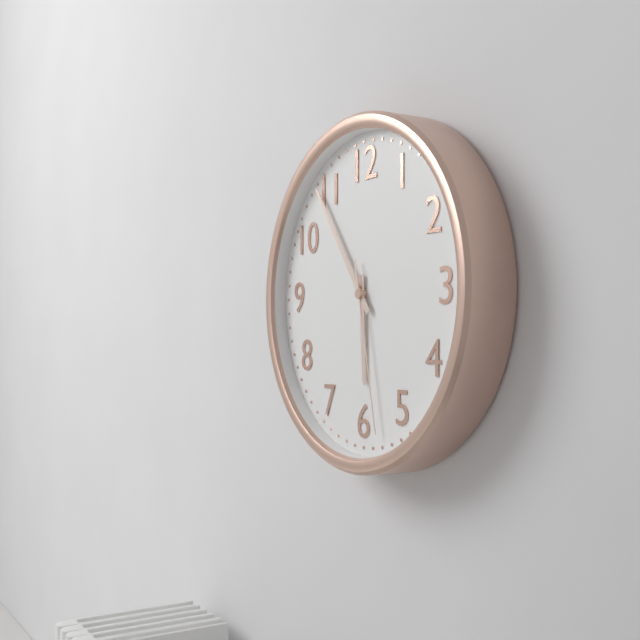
{"hour": 5, "minute": 54, "second": 28}
